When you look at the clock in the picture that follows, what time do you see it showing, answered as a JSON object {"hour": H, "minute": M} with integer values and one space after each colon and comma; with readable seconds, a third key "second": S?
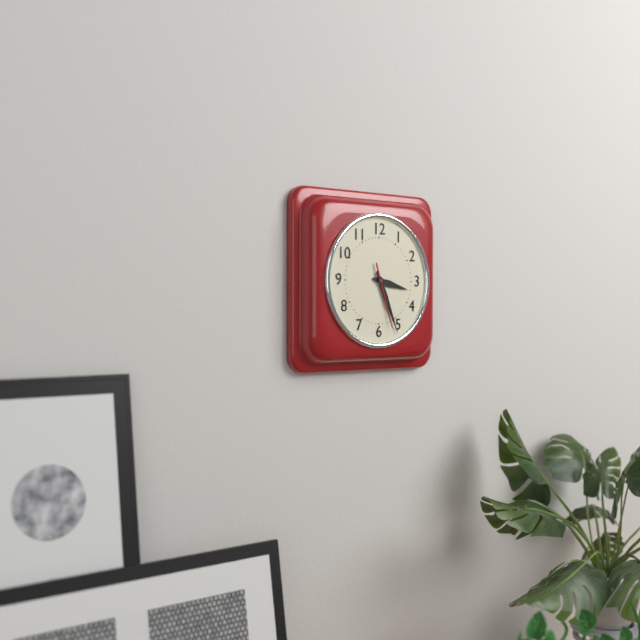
{"hour": 3, "minute": 26, "second": 27}
